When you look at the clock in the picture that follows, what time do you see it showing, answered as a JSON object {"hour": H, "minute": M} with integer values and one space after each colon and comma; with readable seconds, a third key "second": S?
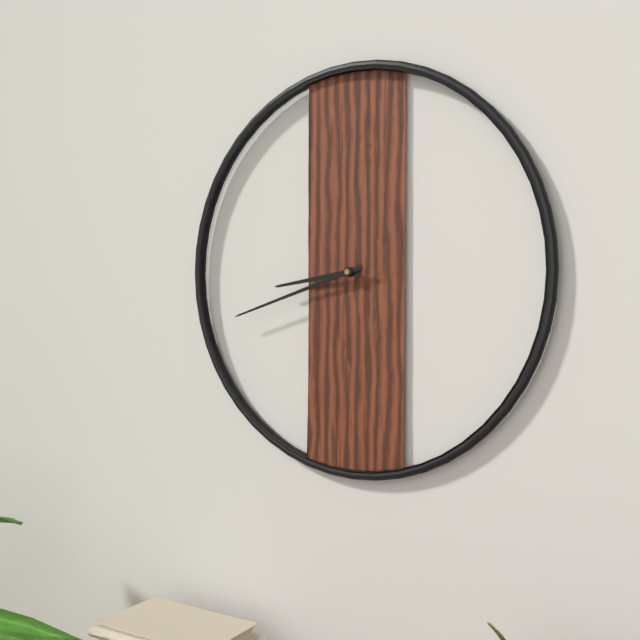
{"hour": 8, "minute": 42}
